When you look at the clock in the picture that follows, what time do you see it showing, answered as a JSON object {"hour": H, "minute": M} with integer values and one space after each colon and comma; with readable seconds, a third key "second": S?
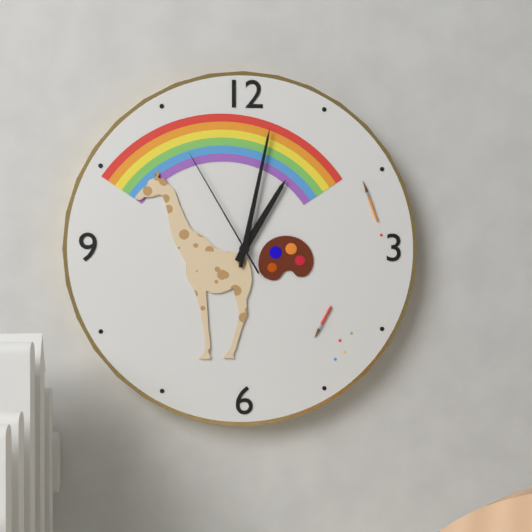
{"hour": 1, "minute": 2, "second": 55}
